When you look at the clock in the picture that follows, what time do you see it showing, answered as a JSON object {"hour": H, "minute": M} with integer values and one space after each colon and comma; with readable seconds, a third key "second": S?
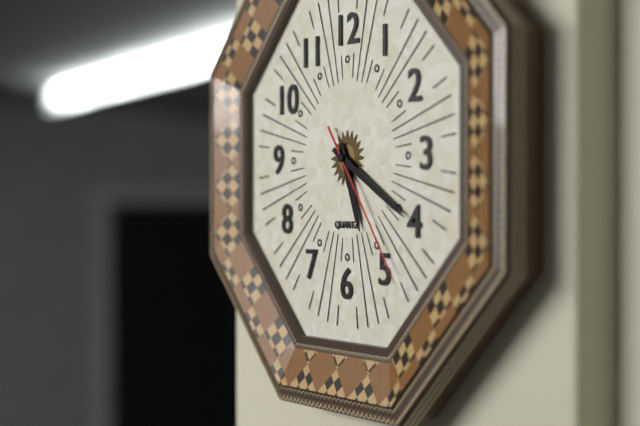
{"hour": 5, "minute": 20, "second": 24}
